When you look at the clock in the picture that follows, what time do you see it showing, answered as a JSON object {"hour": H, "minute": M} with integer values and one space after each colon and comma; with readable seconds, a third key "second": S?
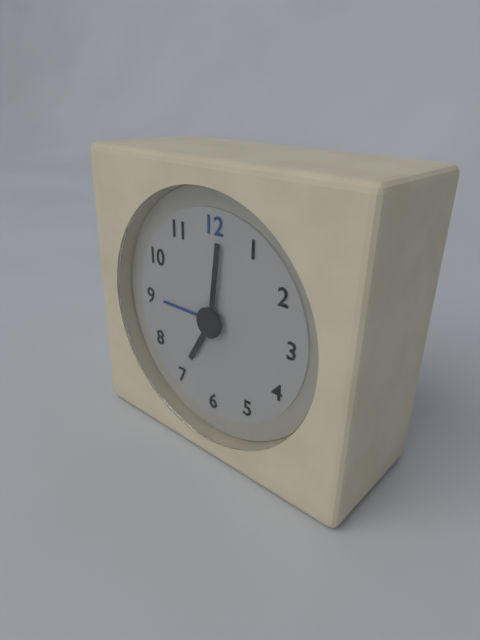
{"hour": 7, "minute": 1}
